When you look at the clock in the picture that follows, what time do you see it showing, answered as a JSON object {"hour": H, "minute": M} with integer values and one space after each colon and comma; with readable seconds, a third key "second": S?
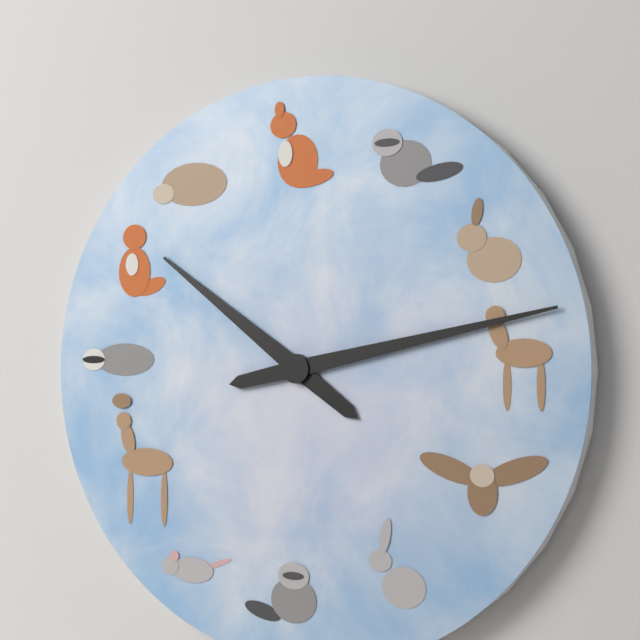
{"hour": 10, "minute": 13}
